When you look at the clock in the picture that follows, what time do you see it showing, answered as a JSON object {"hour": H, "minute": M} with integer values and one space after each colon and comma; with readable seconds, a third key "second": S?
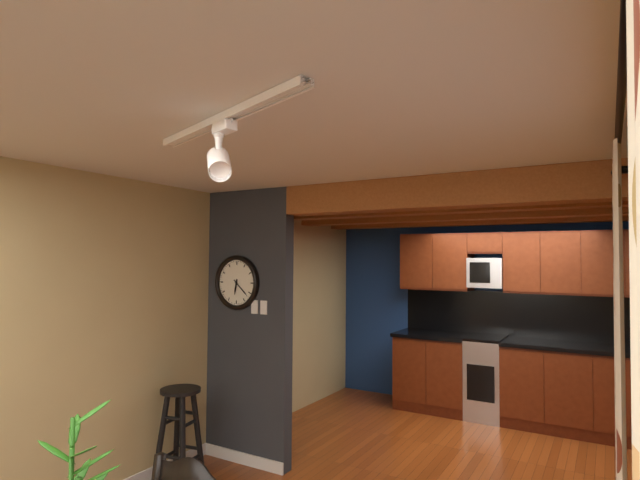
{"hour": 6, "minute": 22}
